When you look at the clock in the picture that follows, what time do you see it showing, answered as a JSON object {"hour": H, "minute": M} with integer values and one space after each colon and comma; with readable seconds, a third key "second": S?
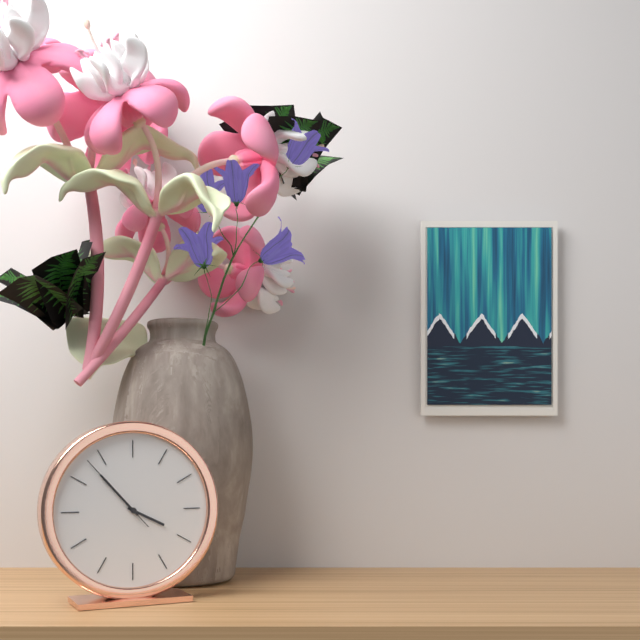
{"hour": 3, "minute": 53, "second": 53}
